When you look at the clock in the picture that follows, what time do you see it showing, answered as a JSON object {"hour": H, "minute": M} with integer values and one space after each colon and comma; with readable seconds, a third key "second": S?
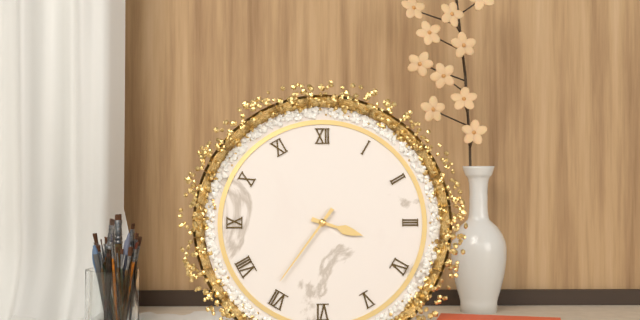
{"hour": 3, "minute": 36}
